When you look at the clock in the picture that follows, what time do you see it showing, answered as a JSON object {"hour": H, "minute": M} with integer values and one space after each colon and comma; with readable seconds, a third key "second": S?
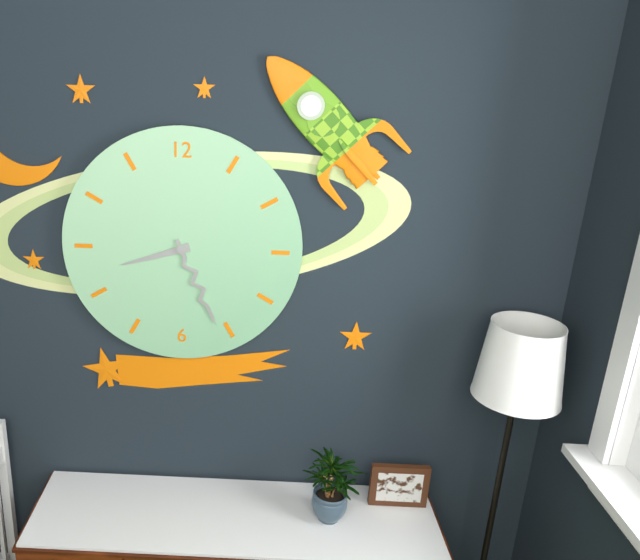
{"hour": 8, "minute": 26}
